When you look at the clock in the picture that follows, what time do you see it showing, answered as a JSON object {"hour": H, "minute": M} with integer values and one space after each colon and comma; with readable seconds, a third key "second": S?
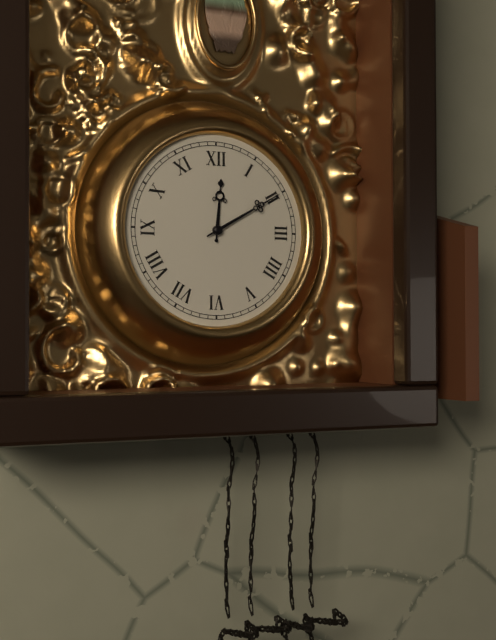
{"hour": 12, "minute": 10}
